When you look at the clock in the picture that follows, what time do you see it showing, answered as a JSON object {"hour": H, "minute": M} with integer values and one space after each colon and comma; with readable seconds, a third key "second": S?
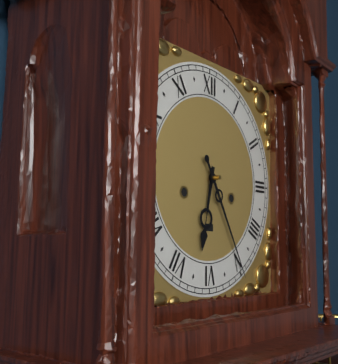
{"hour": 6, "minute": 25}
